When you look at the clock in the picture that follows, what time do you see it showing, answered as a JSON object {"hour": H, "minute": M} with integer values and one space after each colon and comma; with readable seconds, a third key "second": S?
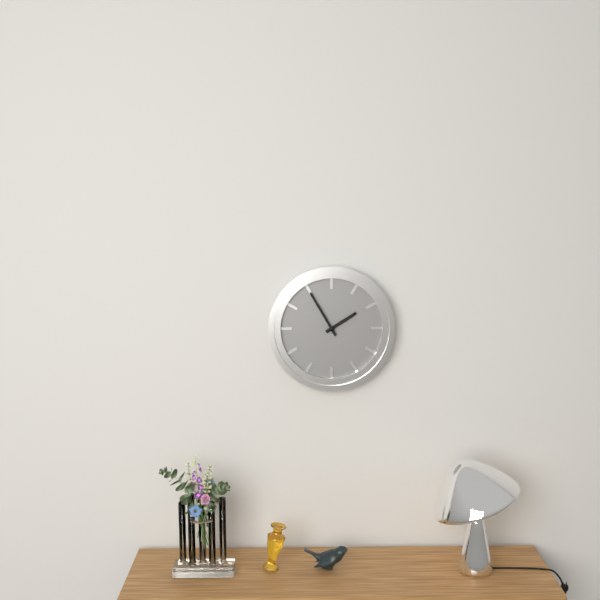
{"hour": 1, "minute": 55}
